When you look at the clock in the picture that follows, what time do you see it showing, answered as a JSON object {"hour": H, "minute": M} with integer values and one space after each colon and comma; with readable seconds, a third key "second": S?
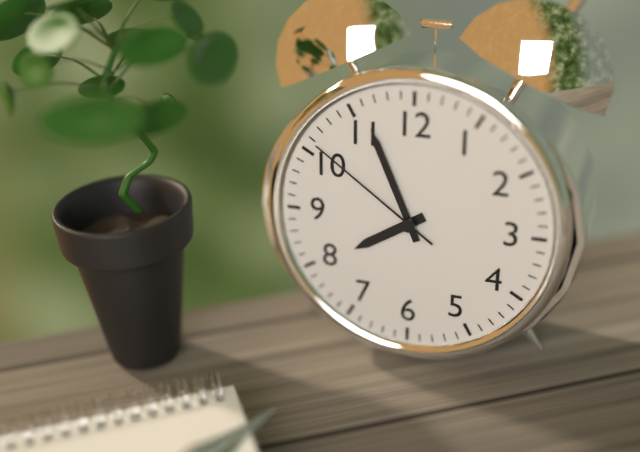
{"hour": 7, "minute": 56, "second": 51}
